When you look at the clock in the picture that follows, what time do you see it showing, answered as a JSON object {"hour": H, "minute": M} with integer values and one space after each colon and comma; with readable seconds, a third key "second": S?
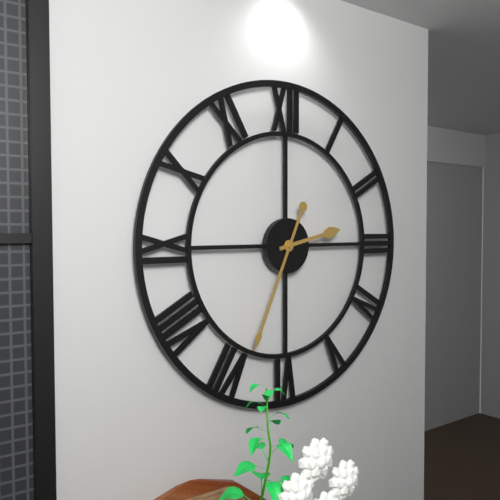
{"hour": 2, "minute": 34}
